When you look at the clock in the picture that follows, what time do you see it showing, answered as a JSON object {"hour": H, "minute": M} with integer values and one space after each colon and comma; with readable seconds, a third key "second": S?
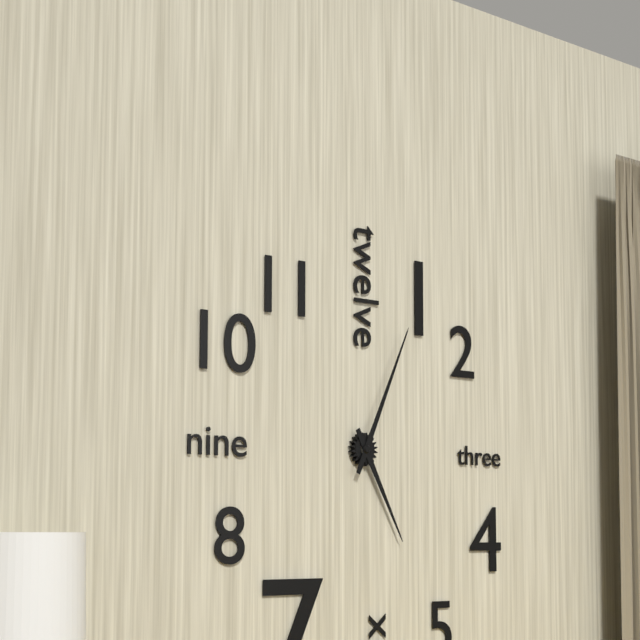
{"hour": 5, "minute": 4}
